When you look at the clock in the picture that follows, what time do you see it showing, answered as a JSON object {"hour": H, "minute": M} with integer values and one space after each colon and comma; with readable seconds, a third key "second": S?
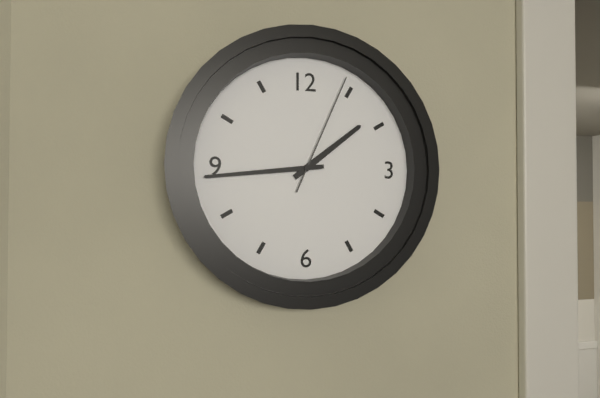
{"hour": 1, "minute": 44, "second": 4}
